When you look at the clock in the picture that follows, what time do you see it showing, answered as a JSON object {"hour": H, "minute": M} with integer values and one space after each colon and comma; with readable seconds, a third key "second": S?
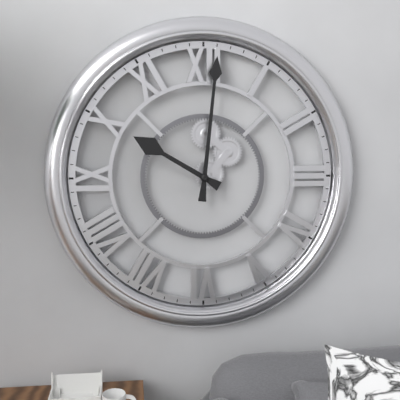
{"hour": 10, "minute": 1}
